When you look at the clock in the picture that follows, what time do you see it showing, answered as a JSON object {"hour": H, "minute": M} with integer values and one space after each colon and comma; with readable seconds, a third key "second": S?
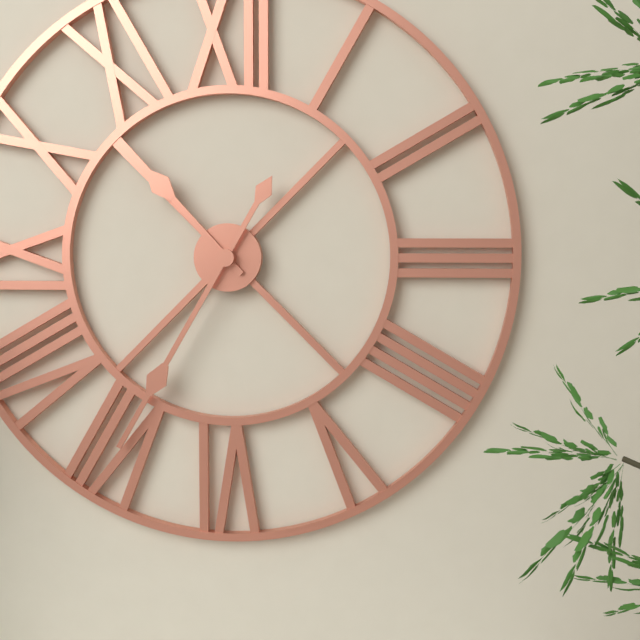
{"hour": 10, "minute": 35}
